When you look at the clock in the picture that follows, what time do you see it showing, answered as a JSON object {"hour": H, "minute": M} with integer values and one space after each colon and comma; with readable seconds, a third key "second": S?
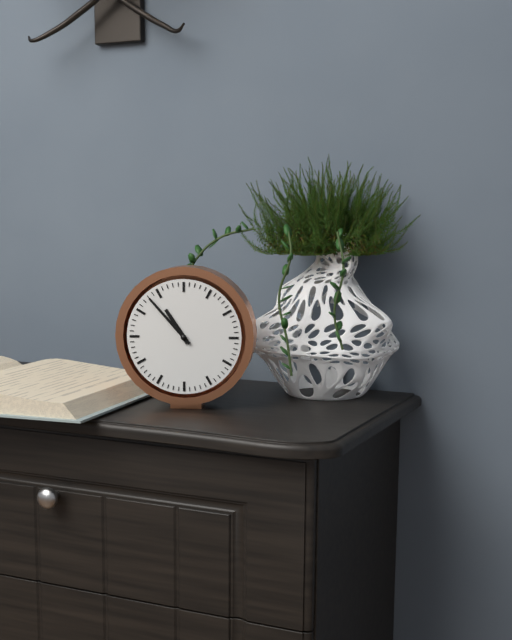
{"hour": 10, "minute": 53}
